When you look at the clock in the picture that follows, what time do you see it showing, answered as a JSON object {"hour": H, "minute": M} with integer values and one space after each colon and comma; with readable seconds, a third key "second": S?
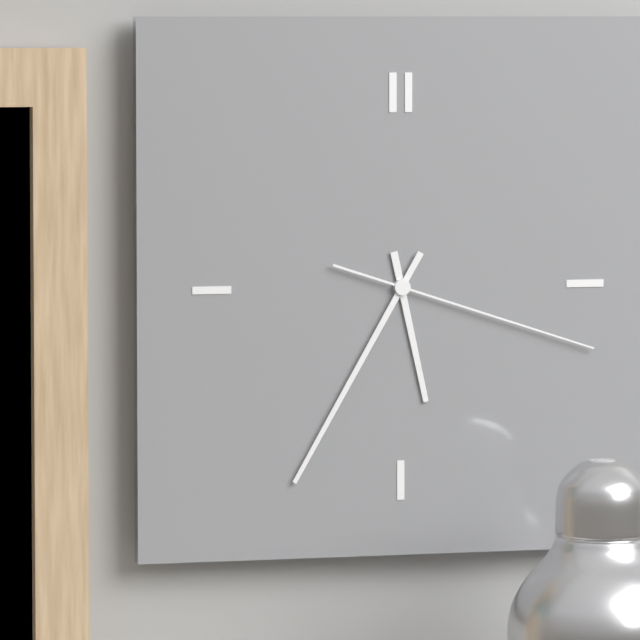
{"hour": 5, "minute": 35, "second": 18}
